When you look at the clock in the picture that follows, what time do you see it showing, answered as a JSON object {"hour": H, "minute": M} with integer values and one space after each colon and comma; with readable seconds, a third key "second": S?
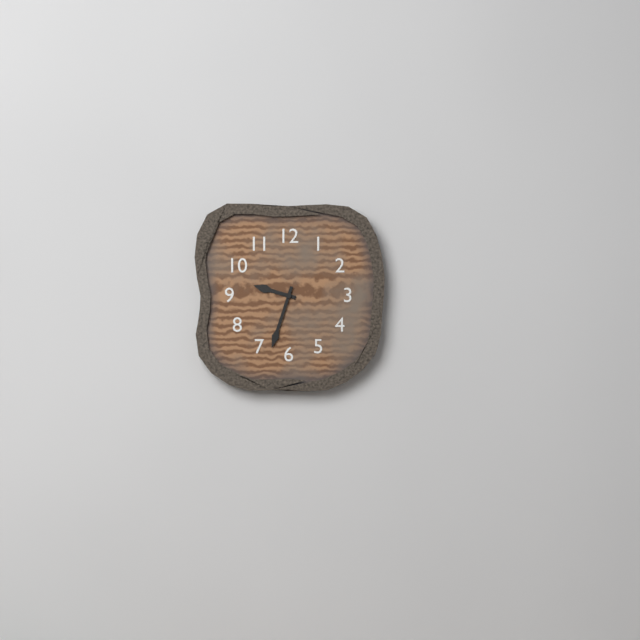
{"hour": 9, "minute": 33}
